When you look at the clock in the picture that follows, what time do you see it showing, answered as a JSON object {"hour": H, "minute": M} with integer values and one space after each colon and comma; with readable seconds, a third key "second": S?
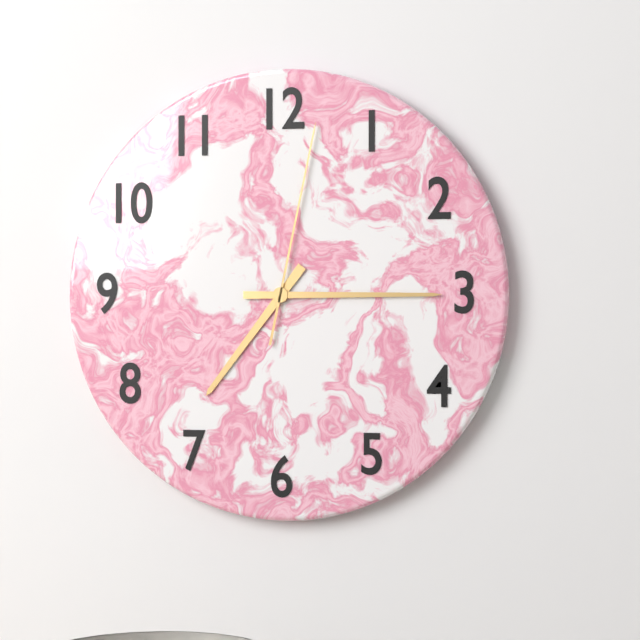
{"hour": 7, "minute": 15, "second": 2}
